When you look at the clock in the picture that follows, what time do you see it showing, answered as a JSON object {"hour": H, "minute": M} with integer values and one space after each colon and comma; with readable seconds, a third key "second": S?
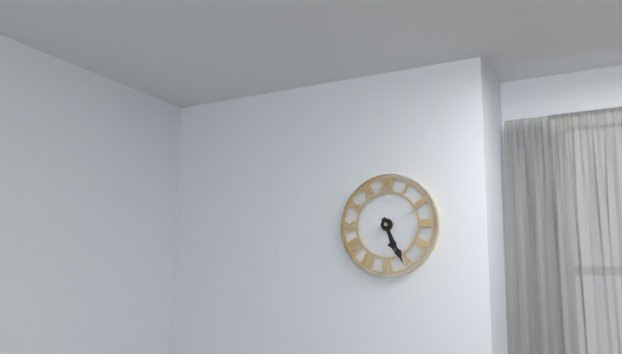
{"hour": 5, "minute": 26}
